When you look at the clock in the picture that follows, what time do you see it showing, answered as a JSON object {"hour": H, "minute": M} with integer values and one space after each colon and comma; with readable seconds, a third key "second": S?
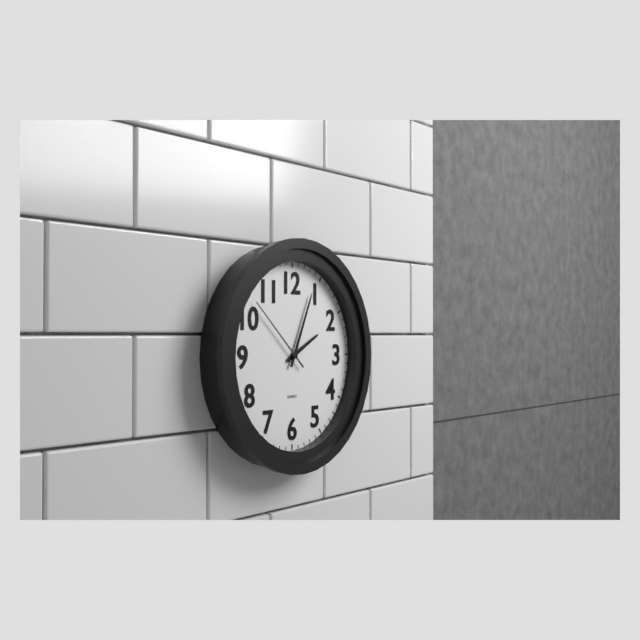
{"hour": 2, "minute": 4, "second": 52}
